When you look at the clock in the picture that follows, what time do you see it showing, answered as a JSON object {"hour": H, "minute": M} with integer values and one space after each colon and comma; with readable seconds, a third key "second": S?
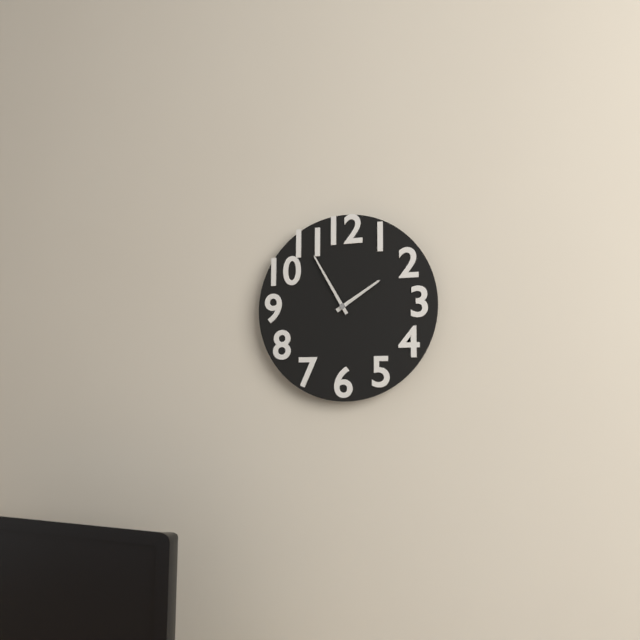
{"hour": 1, "minute": 55}
